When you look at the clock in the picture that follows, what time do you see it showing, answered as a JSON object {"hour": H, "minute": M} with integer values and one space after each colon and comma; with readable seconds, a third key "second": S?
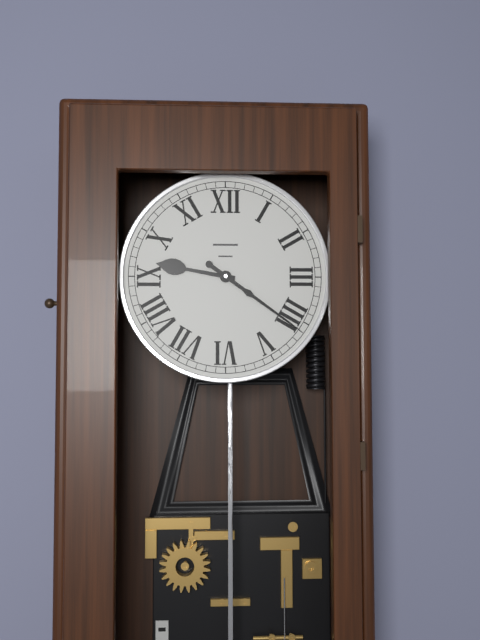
{"hour": 9, "minute": 21}
